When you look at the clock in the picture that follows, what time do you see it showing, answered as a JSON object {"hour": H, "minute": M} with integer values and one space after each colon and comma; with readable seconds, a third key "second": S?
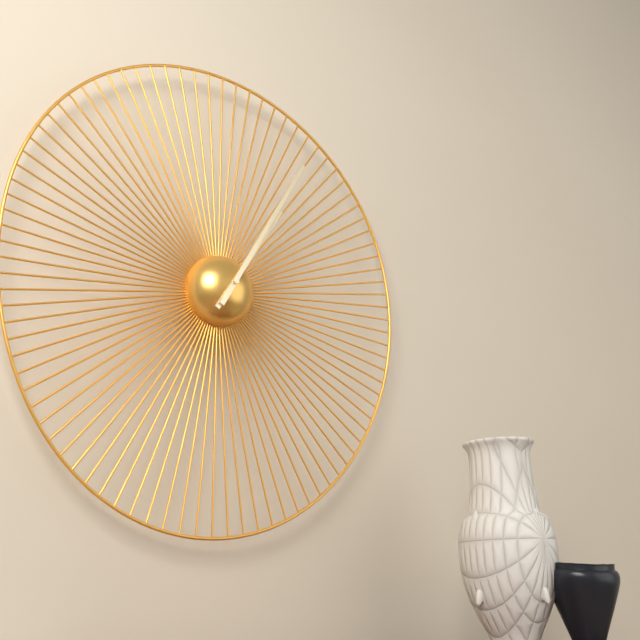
{"hour": 1, "minute": 5}
